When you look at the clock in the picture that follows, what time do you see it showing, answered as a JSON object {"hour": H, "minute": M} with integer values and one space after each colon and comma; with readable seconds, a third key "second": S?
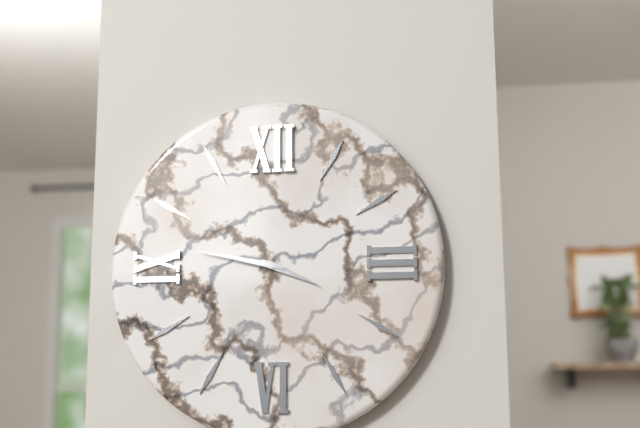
{"hour": 3, "minute": 47}
